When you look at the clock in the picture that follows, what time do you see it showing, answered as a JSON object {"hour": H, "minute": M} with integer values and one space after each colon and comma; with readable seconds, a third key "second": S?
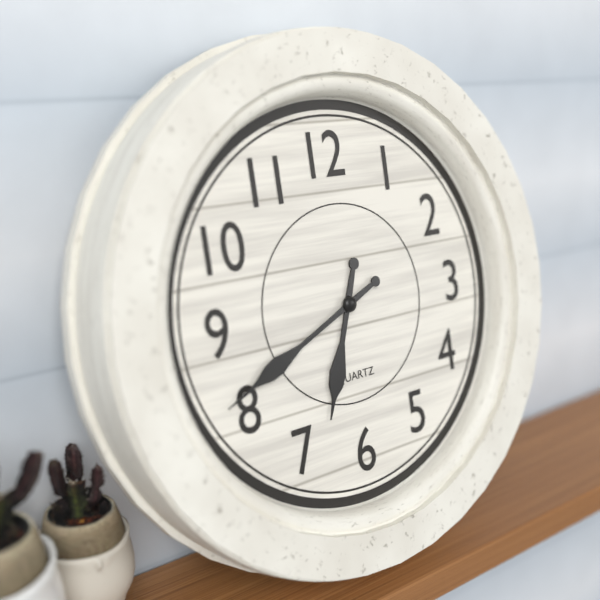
{"hour": 6, "minute": 41}
